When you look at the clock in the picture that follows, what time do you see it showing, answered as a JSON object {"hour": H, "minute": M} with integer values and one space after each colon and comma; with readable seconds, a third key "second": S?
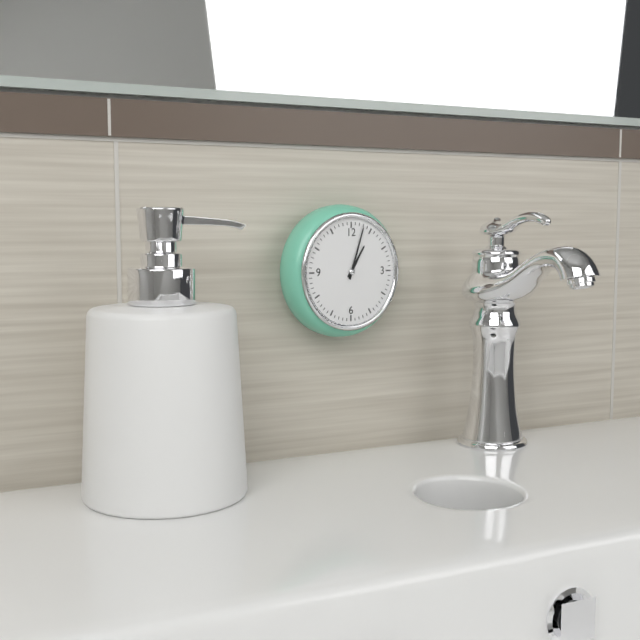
{"hour": 1, "minute": 3}
